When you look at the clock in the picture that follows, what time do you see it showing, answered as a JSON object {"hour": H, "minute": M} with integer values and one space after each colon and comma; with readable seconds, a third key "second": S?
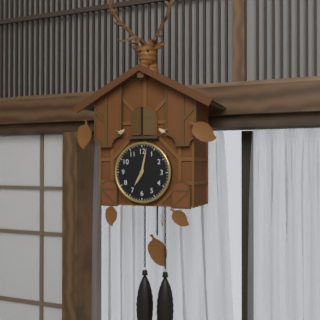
{"hour": 7, "minute": 2}
